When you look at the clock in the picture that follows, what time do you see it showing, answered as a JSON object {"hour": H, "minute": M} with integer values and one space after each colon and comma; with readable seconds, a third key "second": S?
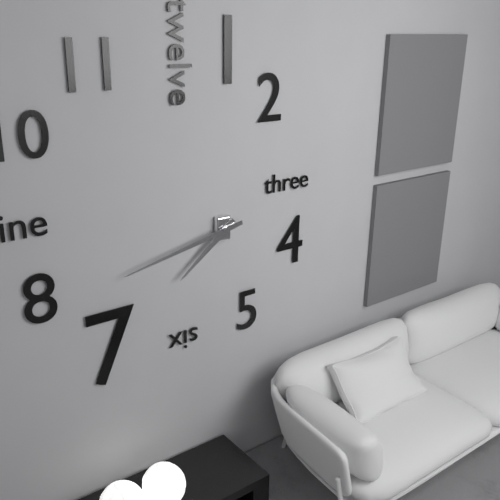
{"hour": 7, "minute": 43}
